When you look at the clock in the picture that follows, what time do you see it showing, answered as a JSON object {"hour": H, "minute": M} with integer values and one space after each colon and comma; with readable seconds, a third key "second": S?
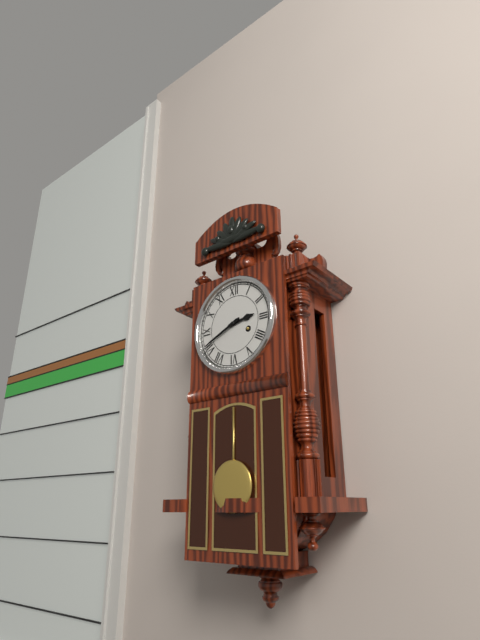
{"hour": 2, "minute": 41}
